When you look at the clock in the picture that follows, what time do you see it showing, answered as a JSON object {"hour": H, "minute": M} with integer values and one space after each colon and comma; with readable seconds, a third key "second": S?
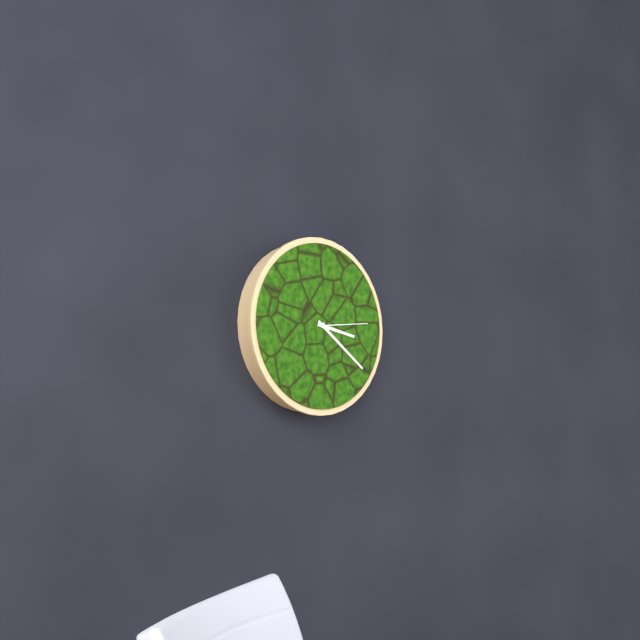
{"hour": 3, "minute": 21, "second": 14}
